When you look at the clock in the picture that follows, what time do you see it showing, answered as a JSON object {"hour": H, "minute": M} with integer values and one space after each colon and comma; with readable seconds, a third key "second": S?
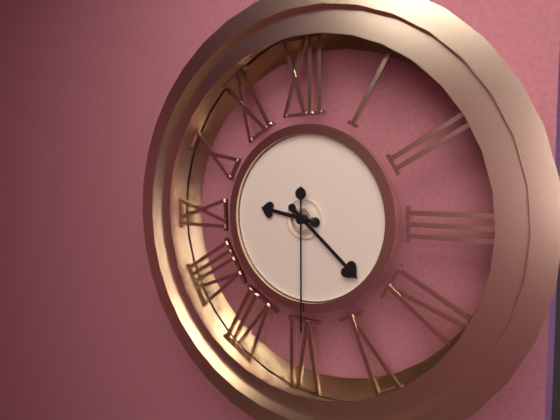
{"hour": 9, "minute": 22, "second": 30}
